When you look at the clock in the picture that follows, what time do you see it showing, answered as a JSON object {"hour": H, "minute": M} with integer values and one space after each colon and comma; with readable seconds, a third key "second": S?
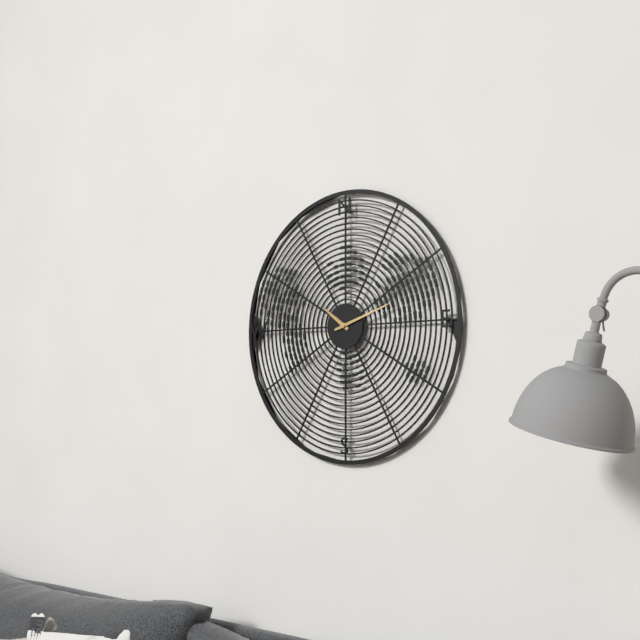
{"hour": 10, "minute": 12}
